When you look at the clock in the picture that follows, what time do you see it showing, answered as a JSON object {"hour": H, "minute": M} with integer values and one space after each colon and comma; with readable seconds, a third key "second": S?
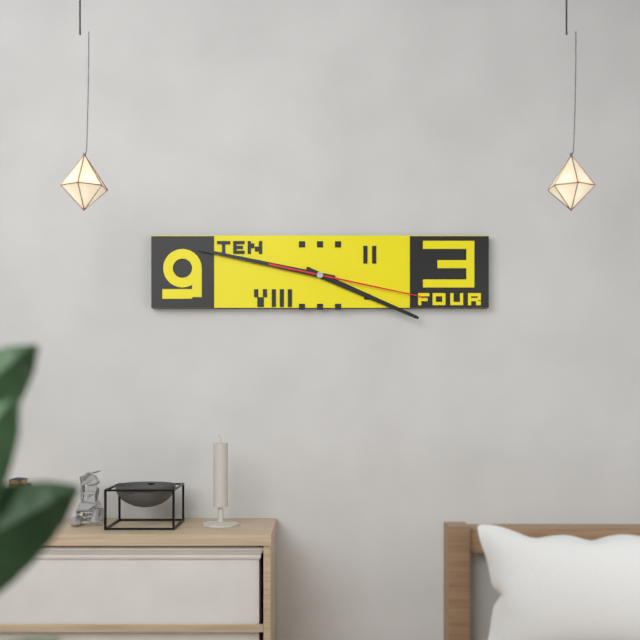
{"hour": 3, "minute": 47, "second": 17}
